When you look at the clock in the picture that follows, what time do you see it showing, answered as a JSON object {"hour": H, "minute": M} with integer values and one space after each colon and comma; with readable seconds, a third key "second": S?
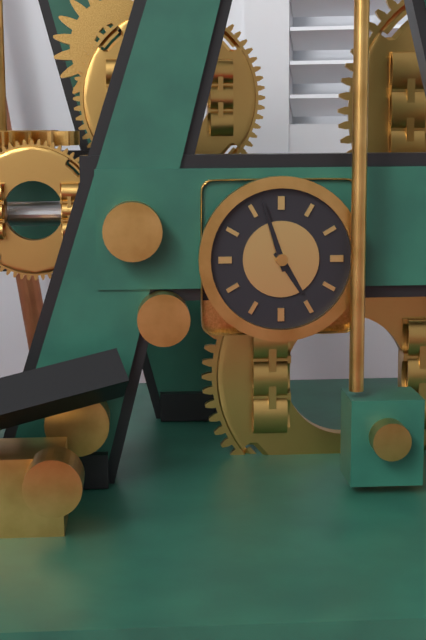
{"hour": 4, "minute": 57}
